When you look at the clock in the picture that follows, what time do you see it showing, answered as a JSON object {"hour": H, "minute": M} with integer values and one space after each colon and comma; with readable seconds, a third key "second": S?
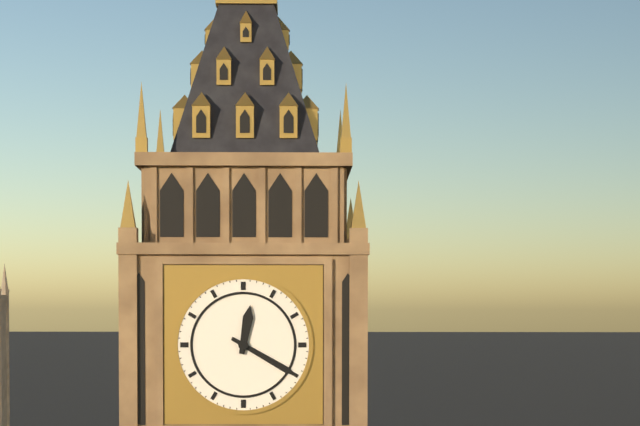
{"hour": 12, "minute": 20}
